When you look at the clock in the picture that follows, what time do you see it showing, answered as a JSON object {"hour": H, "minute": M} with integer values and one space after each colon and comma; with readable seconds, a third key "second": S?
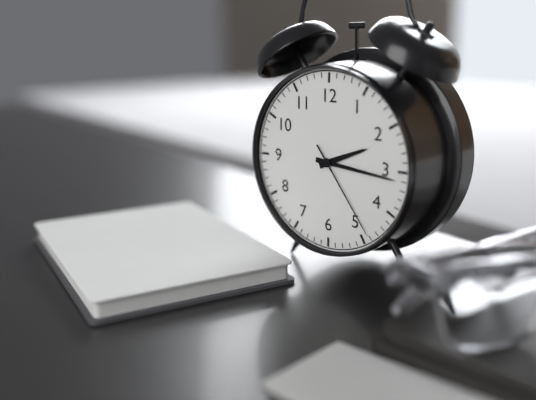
{"hour": 2, "minute": 16, "second": 24}
